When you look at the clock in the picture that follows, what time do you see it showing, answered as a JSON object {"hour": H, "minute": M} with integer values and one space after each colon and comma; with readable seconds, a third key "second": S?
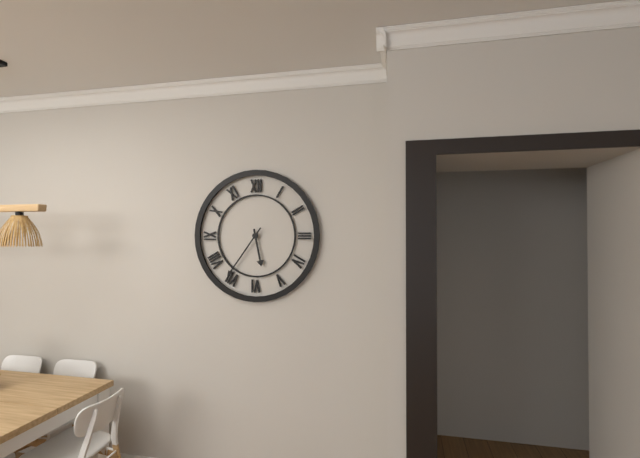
{"hour": 5, "minute": 36}
